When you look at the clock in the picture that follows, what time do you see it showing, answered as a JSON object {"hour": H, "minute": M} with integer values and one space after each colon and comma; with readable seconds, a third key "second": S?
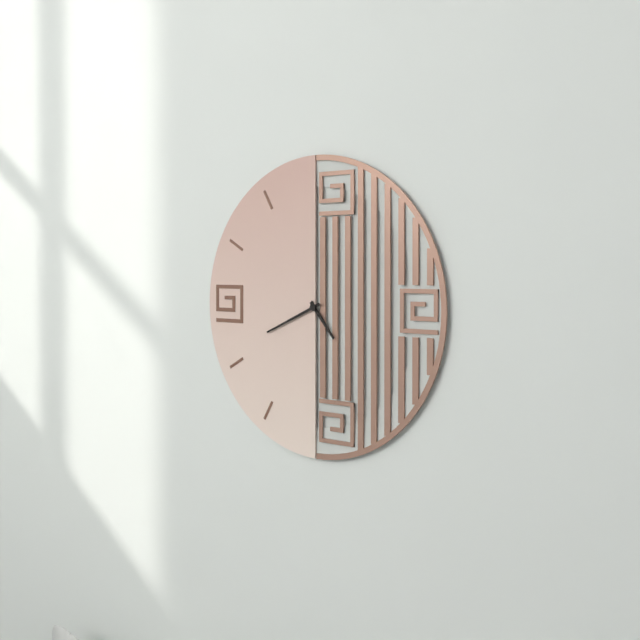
{"hour": 4, "minute": 41}
